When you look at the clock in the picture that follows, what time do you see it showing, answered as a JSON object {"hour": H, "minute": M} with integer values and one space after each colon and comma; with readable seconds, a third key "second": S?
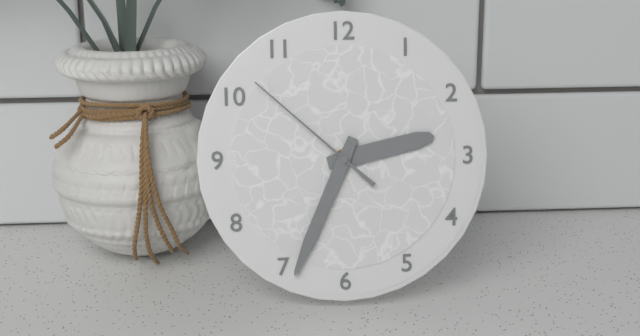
{"hour": 2, "minute": 34, "second": 52}
